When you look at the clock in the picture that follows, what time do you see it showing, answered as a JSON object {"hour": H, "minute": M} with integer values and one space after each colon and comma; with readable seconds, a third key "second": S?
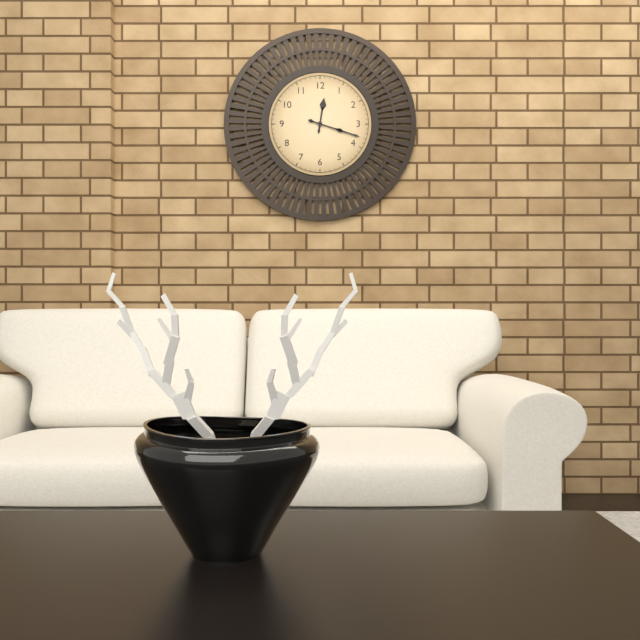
{"hour": 12, "minute": 18}
